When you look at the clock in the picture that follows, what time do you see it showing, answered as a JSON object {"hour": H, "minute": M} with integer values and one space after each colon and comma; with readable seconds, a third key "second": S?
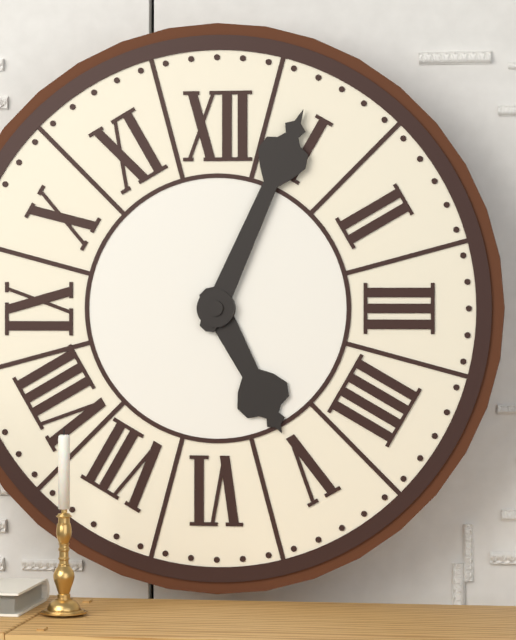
{"hour": 5, "minute": 4}
